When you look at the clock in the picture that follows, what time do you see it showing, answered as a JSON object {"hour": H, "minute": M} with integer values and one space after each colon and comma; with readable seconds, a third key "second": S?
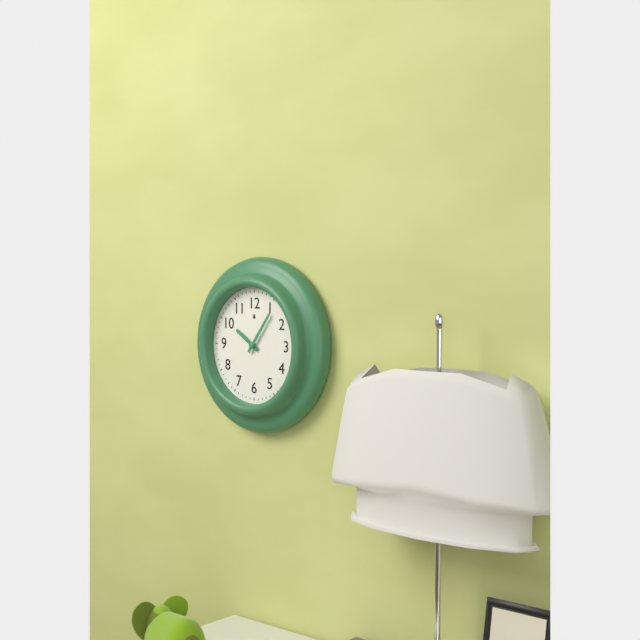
{"hour": 10, "minute": 6}
